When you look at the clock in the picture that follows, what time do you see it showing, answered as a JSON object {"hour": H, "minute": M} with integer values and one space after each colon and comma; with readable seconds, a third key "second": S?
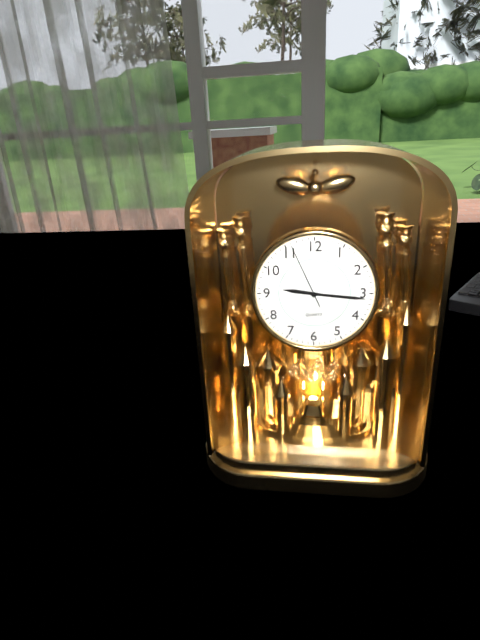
{"hour": 9, "minute": 16, "second": 56}
